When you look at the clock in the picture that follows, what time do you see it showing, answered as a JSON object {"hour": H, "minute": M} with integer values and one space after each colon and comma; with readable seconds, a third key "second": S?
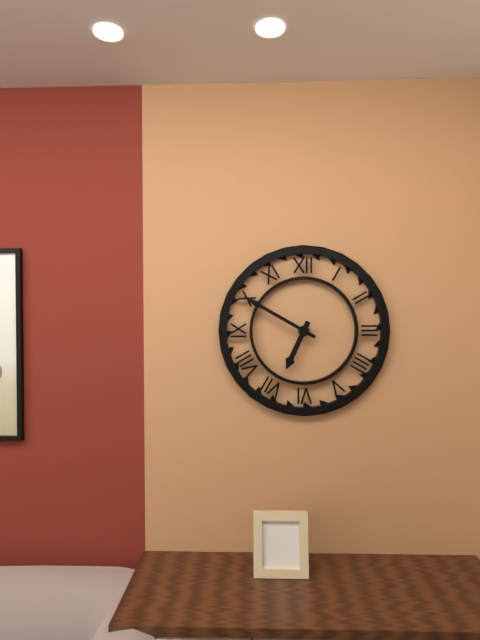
{"hour": 6, "minute": 50}
